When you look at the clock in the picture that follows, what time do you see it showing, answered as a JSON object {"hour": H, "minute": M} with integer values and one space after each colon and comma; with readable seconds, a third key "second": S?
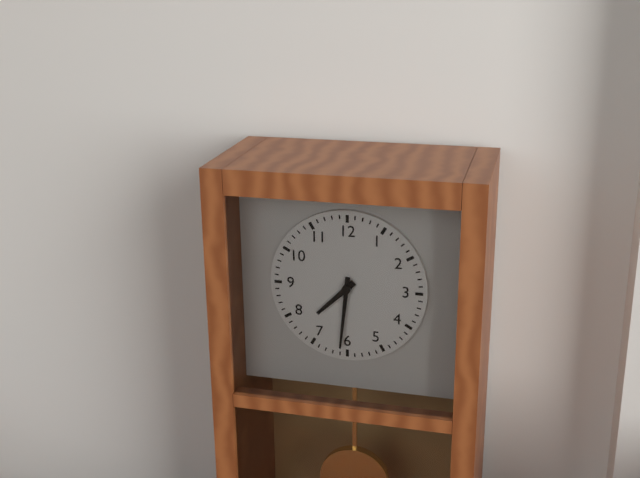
{"hour": 7, "minute": 31}
